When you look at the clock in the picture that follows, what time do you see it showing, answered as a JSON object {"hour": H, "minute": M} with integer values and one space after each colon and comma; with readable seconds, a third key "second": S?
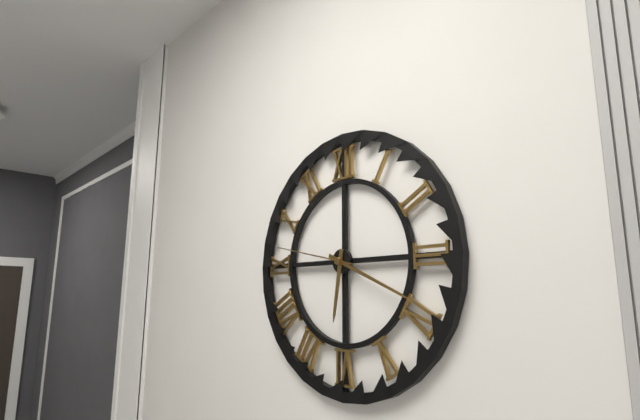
{"hour": 6, "minute": 19, "second": 47}
